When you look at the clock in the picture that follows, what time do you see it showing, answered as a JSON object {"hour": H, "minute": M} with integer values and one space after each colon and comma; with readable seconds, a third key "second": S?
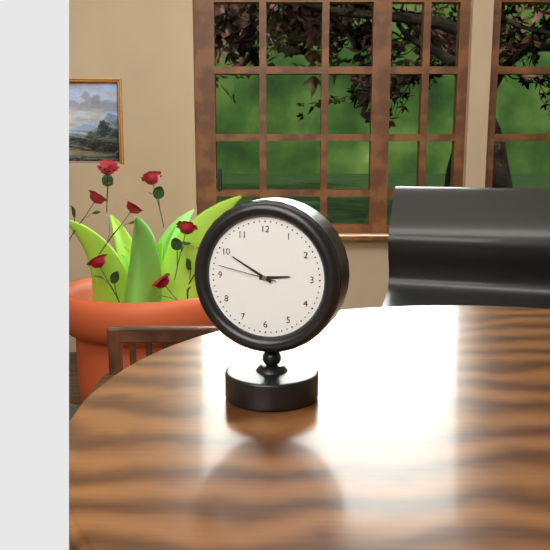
{"hour": 2, "minute": 50, "second": 47}
